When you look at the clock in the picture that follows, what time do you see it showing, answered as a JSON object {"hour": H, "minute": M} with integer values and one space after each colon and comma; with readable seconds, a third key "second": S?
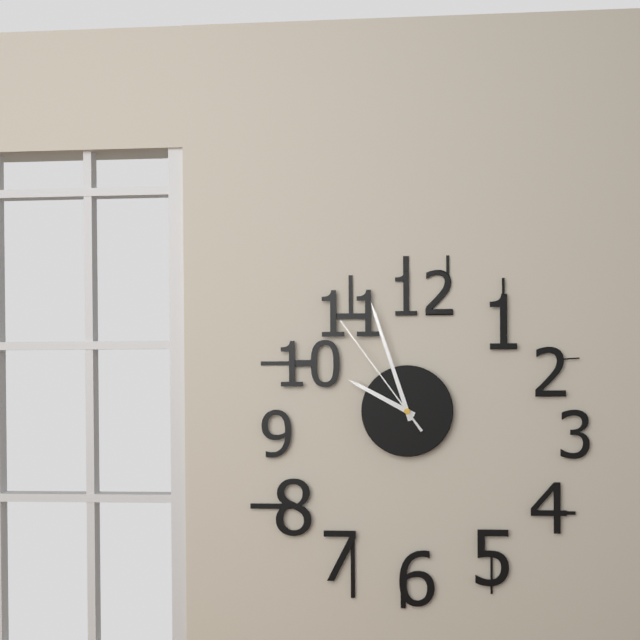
{"hour": 9, "minute": 57, "second": 54}
